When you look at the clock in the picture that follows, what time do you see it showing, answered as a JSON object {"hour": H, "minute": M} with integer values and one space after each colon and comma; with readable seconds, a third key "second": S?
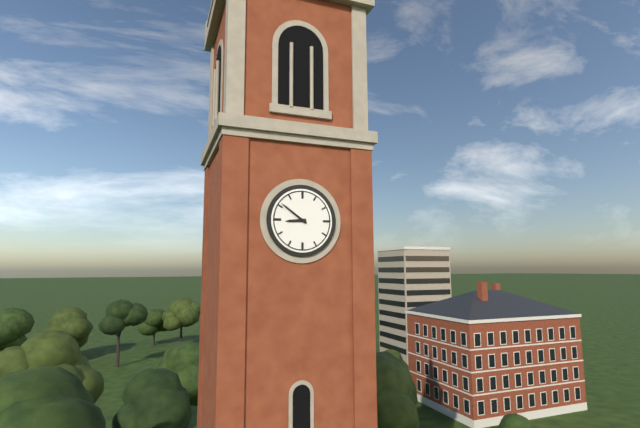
{"hour": 8, "minute": 51}
